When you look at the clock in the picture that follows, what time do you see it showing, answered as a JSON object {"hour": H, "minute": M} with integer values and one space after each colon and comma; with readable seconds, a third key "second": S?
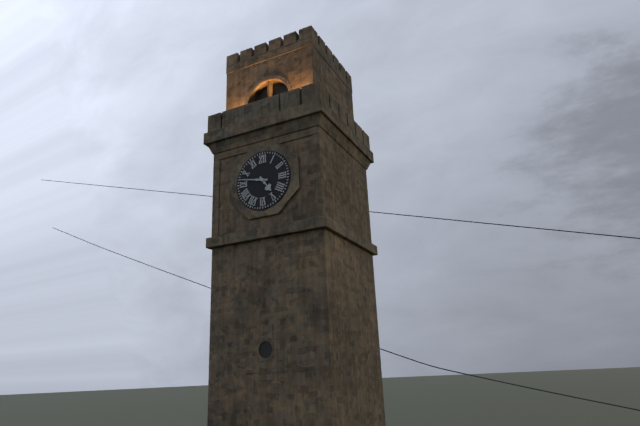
{"hour": 4, "minute": 47}
